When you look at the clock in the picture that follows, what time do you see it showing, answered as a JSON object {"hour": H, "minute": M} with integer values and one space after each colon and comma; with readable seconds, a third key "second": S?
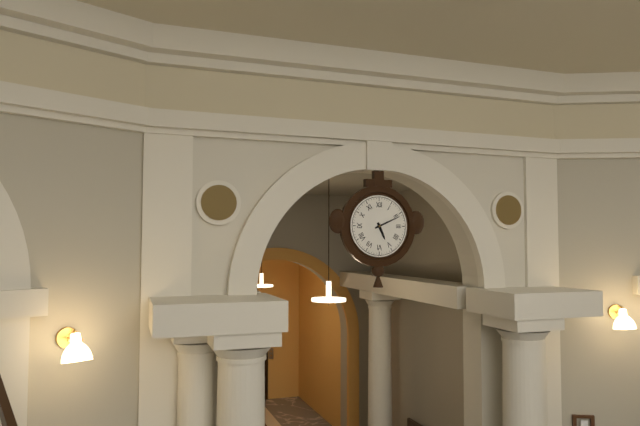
{"hour": 5, "minute": 11}
